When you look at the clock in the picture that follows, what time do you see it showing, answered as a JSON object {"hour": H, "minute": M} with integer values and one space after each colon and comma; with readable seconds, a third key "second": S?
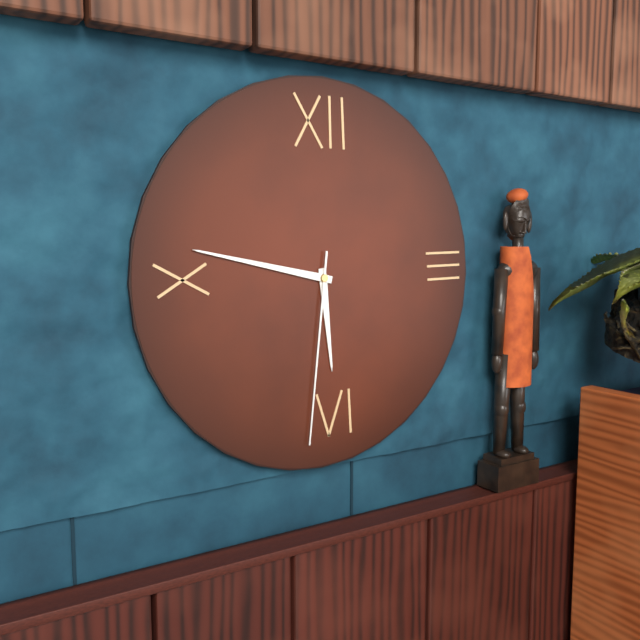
{"hour": 5, "minute": 47, "second": 31}
